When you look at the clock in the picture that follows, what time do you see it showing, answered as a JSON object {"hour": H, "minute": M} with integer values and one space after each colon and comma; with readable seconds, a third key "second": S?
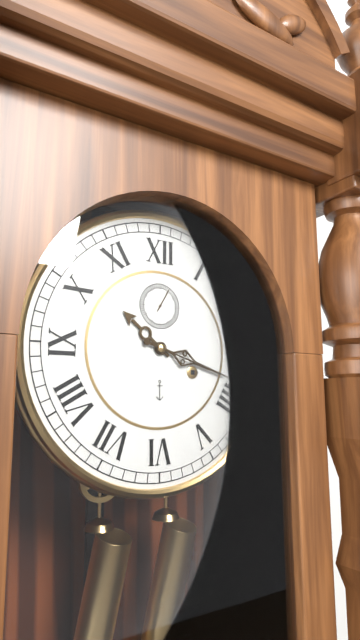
{"hour": 10, "minute": 18}
